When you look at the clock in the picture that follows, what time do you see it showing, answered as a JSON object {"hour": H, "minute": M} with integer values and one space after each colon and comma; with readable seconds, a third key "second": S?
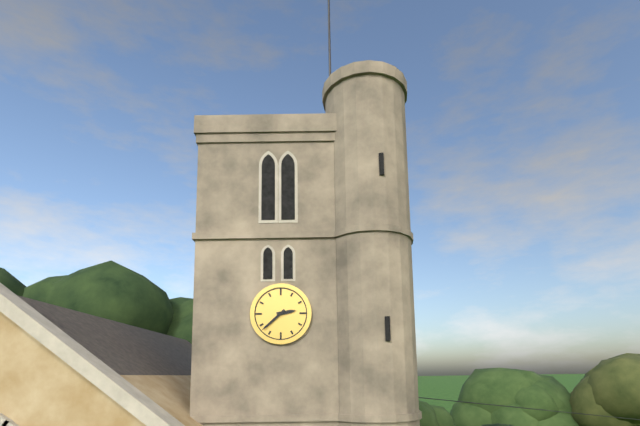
{"hour": 2, "minute": 38}
